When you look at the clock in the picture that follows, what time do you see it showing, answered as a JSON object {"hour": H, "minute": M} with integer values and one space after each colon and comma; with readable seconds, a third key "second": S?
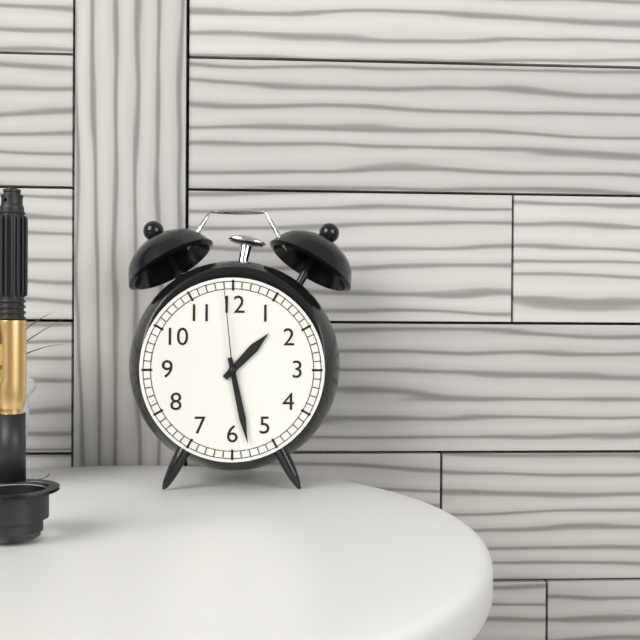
{"hour": 1, "minute": 28, "second": 59}
